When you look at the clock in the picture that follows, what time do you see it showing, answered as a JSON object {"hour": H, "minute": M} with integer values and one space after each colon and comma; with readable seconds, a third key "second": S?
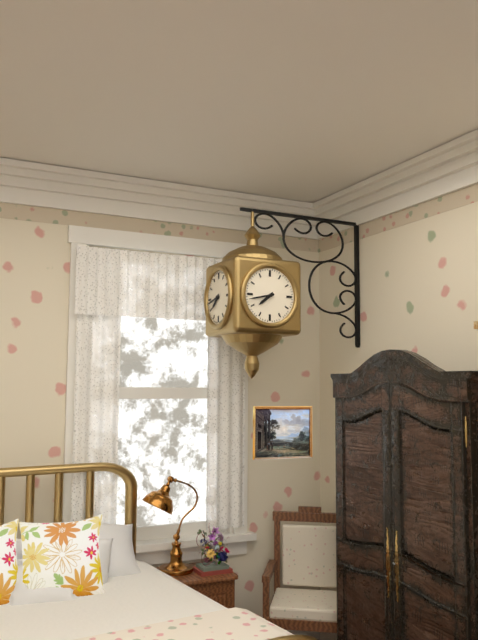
{"hour": 7, "minute": 43}
